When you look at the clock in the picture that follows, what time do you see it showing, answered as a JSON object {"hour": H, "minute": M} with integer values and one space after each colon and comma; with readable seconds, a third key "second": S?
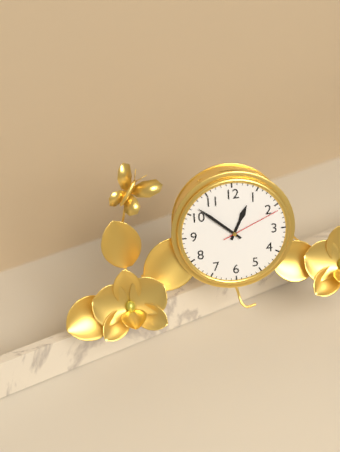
{"hour": 12, "minute": 52, "second": 11}
